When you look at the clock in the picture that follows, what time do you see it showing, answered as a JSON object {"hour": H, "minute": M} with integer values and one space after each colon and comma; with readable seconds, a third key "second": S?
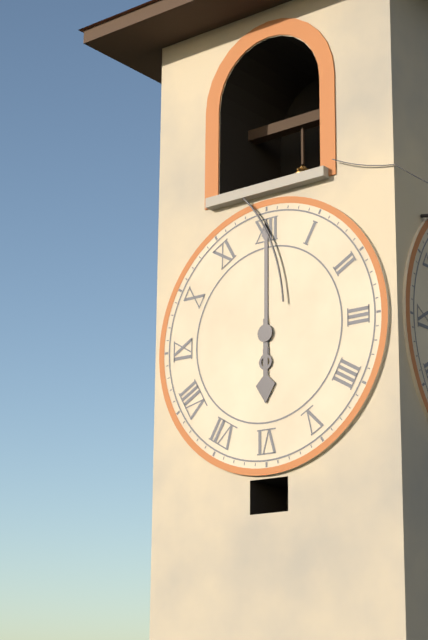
{"hour": 6, "minute": 0}
